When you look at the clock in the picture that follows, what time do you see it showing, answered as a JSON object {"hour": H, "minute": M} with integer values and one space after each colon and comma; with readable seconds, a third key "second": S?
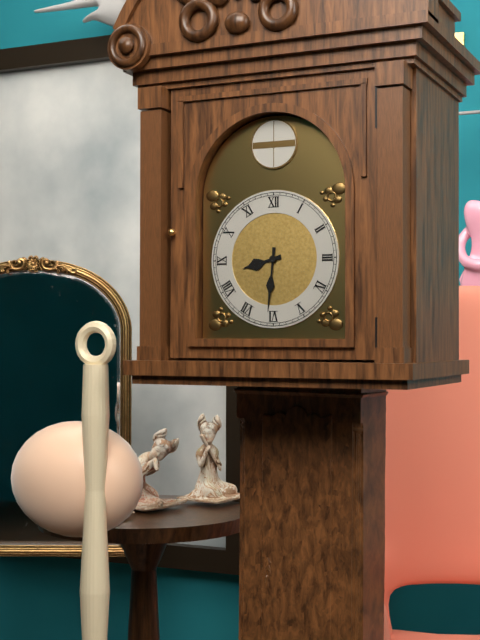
{"hour": 8, "minute": 31}
